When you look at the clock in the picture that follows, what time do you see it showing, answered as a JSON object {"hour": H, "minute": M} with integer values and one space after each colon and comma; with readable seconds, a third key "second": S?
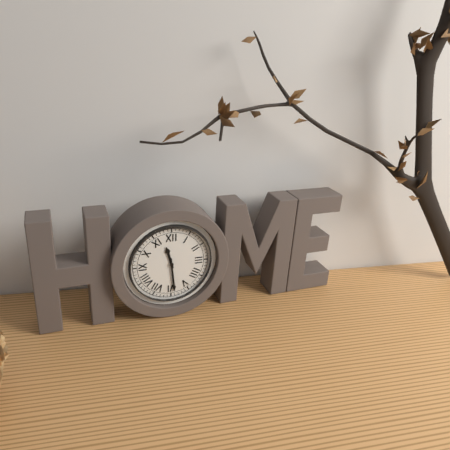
{"hour": 11, "minute": 29}
